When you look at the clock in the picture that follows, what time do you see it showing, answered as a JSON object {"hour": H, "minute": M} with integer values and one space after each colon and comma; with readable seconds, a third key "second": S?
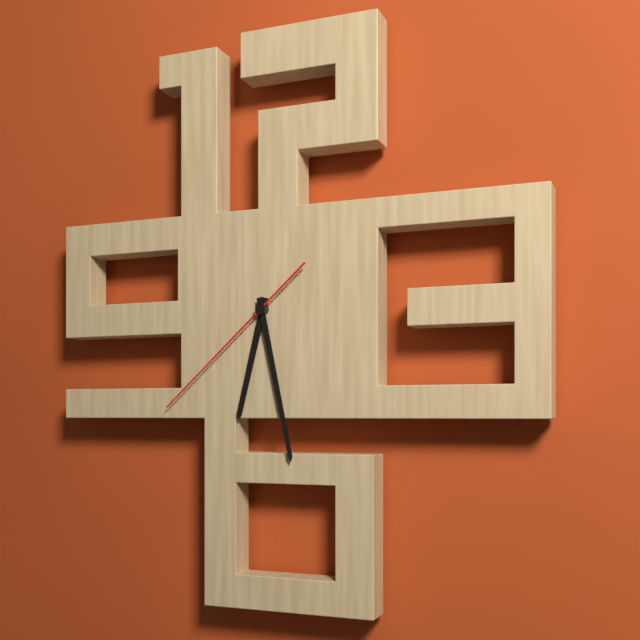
{"hour": 6, "minute": 28, "second": 38}
